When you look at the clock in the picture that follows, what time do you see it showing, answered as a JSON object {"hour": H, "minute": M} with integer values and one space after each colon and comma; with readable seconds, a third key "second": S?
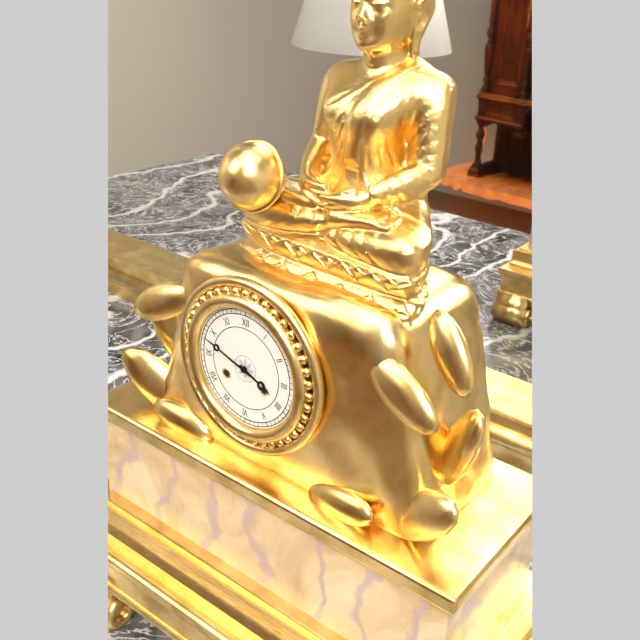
{"hour": 3, "minute": 48}
